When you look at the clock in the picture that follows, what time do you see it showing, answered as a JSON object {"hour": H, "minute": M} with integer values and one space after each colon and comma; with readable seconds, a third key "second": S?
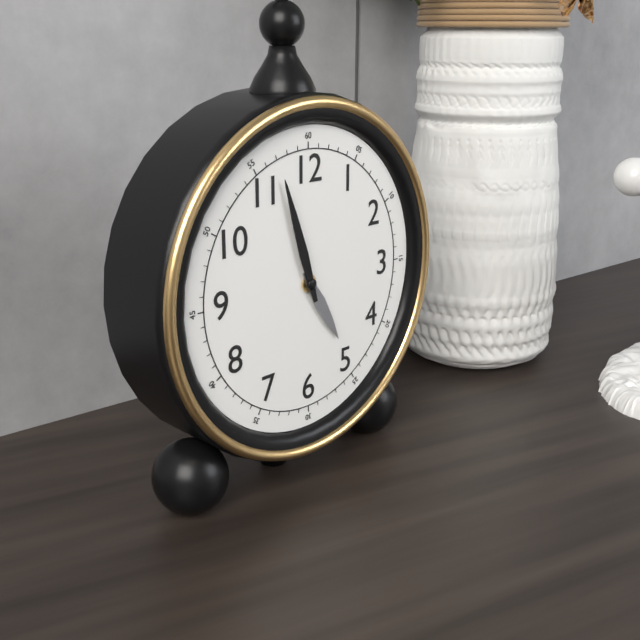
{"hour": 4, "minute": 57}
